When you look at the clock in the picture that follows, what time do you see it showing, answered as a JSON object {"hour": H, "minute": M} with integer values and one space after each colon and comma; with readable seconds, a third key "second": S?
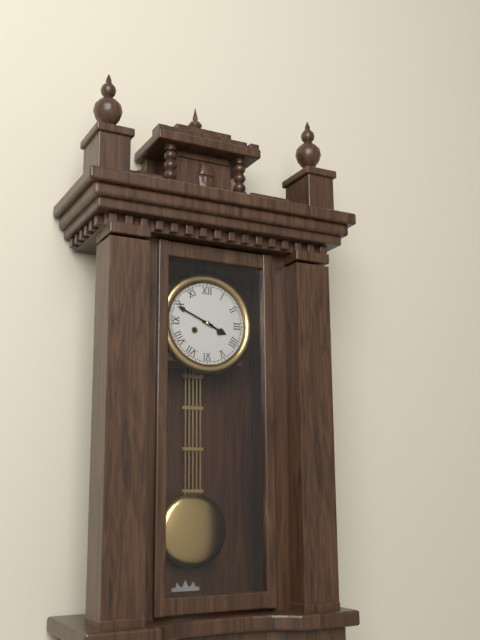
{"hour": 3, "minute": 49}
